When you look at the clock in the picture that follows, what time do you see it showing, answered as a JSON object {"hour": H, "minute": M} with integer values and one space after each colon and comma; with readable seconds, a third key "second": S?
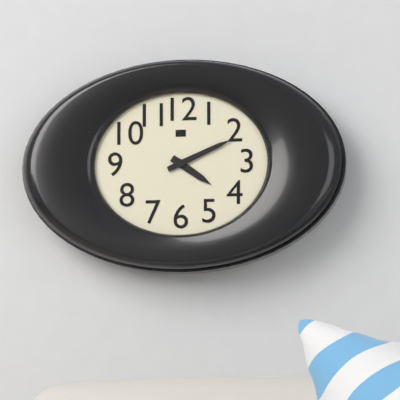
{"hour": 4, "minute": 11}
